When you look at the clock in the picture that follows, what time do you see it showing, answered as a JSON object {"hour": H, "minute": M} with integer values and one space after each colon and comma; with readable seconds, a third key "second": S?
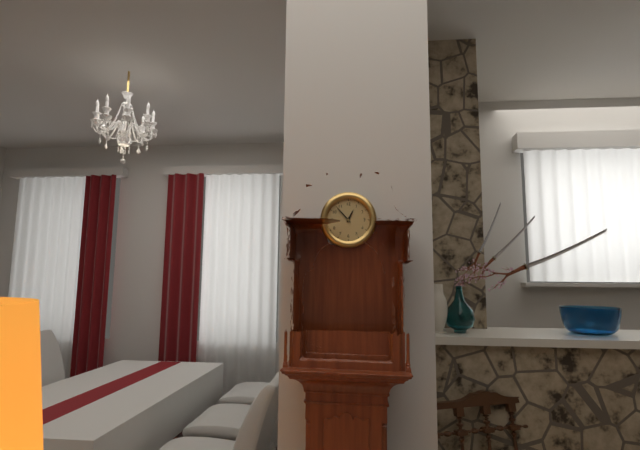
{"hour": 12, "minute": 53}
